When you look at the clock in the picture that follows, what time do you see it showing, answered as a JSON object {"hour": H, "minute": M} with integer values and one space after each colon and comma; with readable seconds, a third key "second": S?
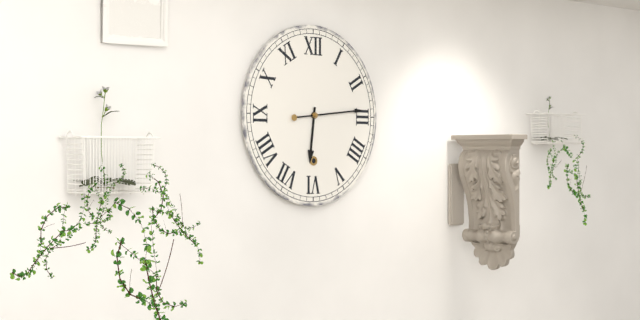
{"hour": 6, "minute": 14}
